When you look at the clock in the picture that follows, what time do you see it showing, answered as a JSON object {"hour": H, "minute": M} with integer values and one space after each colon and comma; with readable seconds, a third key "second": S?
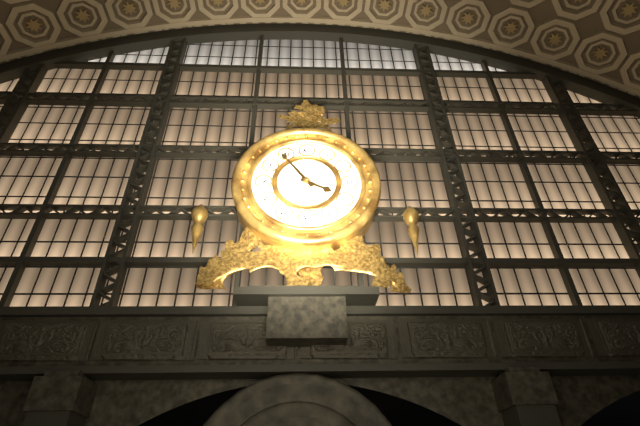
{"hour": 3, "minute": 54}
